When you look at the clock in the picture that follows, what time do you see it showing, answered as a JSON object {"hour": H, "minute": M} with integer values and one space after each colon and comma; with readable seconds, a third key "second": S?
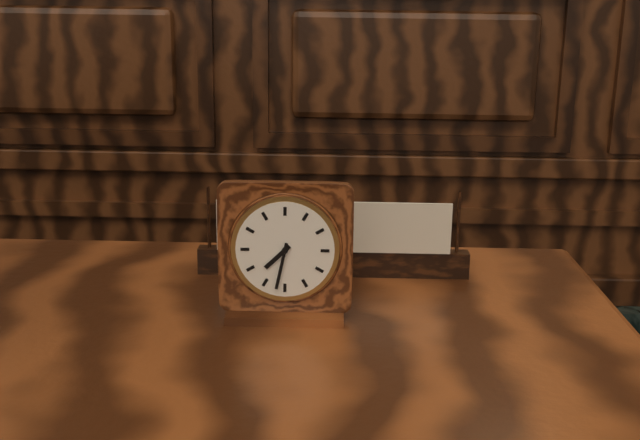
{"hour": 7, "minute": 32}
